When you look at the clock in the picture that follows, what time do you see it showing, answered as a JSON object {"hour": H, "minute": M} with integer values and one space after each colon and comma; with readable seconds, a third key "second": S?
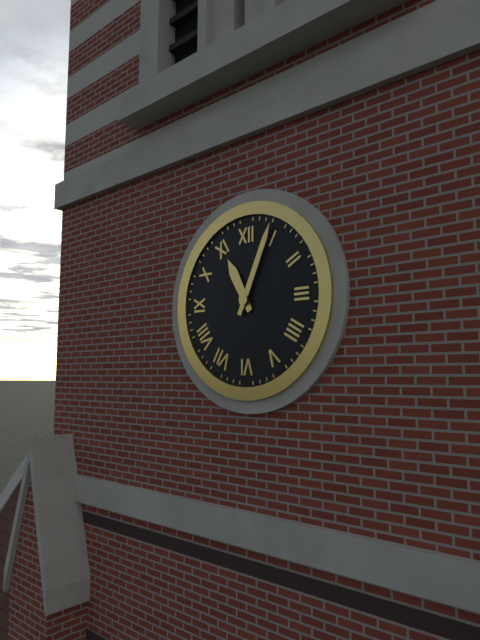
{"hour": 11, "minute": 4}
